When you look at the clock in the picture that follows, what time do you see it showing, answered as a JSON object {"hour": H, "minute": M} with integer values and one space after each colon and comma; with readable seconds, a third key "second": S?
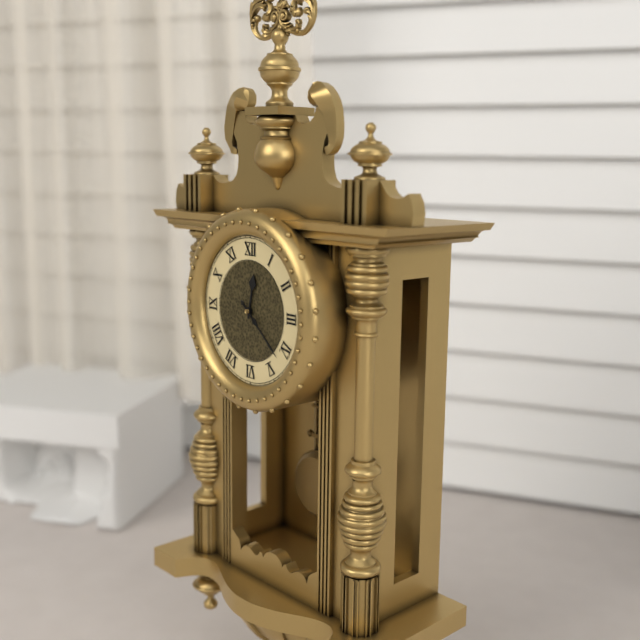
{"hour": 12, "minute": 22}
